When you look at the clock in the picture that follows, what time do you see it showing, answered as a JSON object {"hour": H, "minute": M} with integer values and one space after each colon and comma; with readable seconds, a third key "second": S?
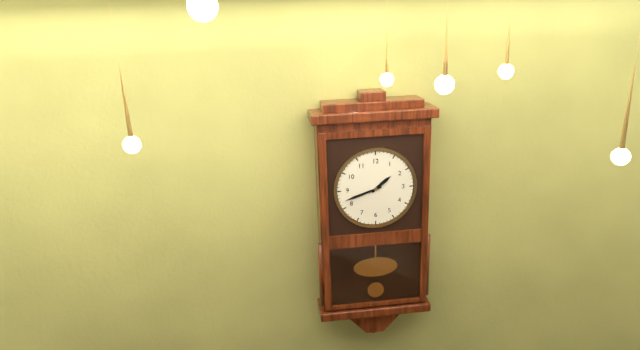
{"hour": 1, "minute": 42}
